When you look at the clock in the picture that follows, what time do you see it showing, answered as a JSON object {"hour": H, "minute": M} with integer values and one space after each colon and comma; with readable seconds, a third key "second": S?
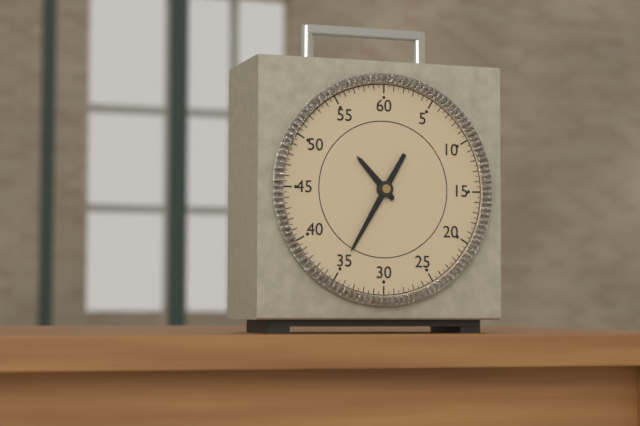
{"hour": 10, "minute": 35}
